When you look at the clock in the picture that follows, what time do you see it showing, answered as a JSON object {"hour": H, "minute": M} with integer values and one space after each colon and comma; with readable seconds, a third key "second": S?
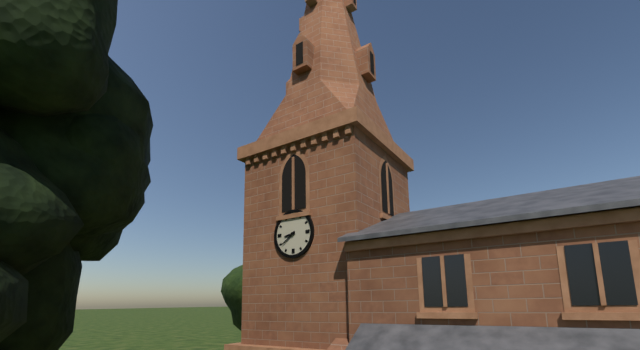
{"hour": 8, "minute": 39}
